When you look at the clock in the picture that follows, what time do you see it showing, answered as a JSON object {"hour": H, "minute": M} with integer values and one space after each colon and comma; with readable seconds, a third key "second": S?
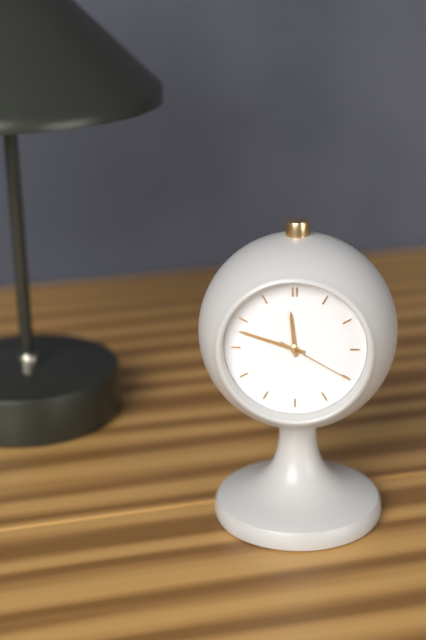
{"hour": 11, "minute": 48, "second": 20}
